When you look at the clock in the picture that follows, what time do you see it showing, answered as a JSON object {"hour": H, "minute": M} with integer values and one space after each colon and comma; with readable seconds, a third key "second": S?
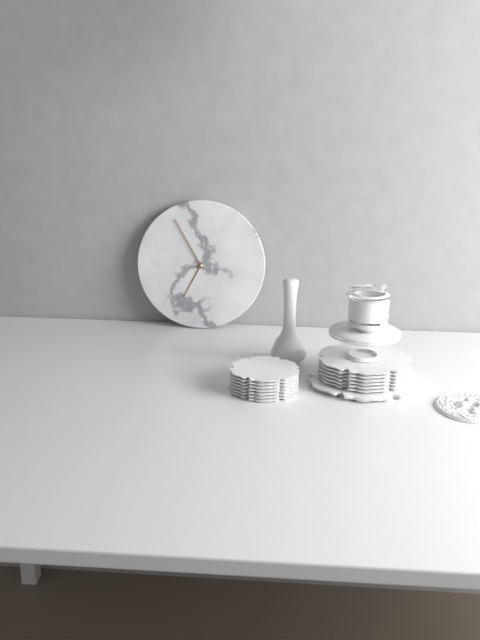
{"hour": 6, "minute": 55}
